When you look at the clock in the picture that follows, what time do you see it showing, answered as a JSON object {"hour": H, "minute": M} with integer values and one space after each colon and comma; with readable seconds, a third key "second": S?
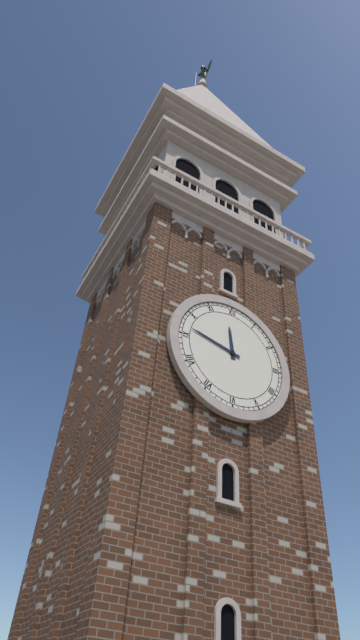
{"hour": 11, "minute": 47}
